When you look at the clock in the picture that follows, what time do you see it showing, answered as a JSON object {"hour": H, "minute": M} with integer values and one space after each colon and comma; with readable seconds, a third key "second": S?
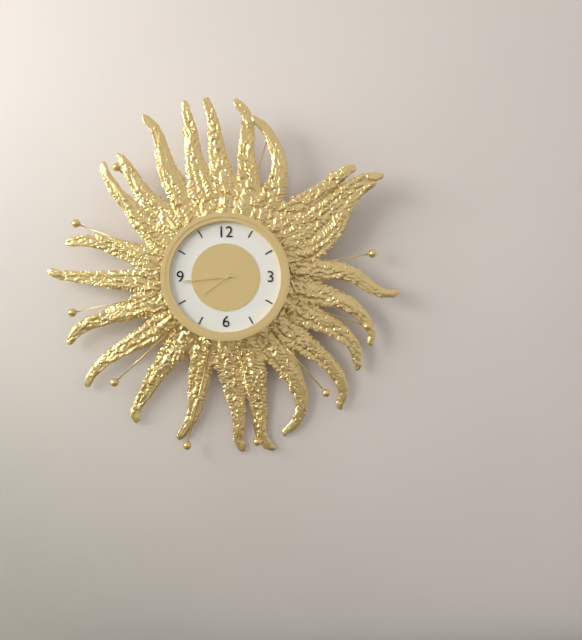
{"hour": 7, "minute": 44}
